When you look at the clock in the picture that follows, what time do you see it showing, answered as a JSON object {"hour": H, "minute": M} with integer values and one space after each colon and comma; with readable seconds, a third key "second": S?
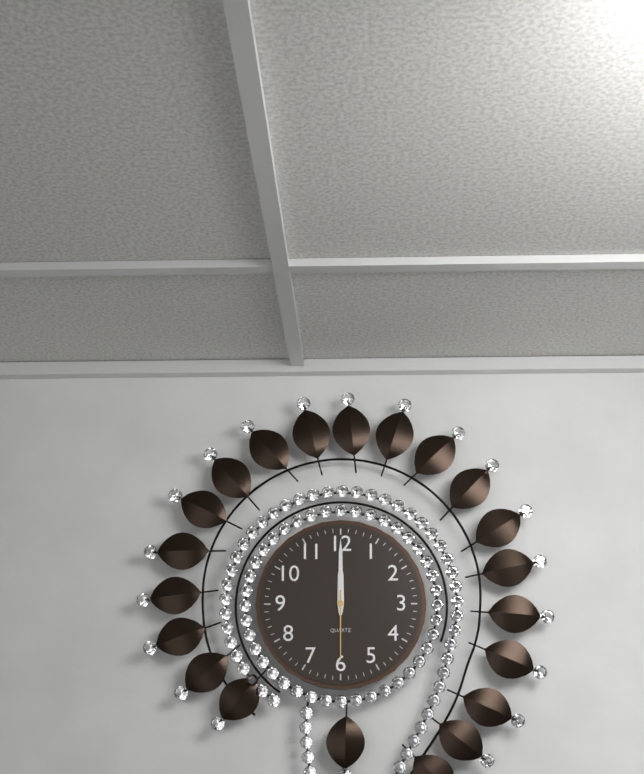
{"hour": 12, "minute": 0, "second": 30}
